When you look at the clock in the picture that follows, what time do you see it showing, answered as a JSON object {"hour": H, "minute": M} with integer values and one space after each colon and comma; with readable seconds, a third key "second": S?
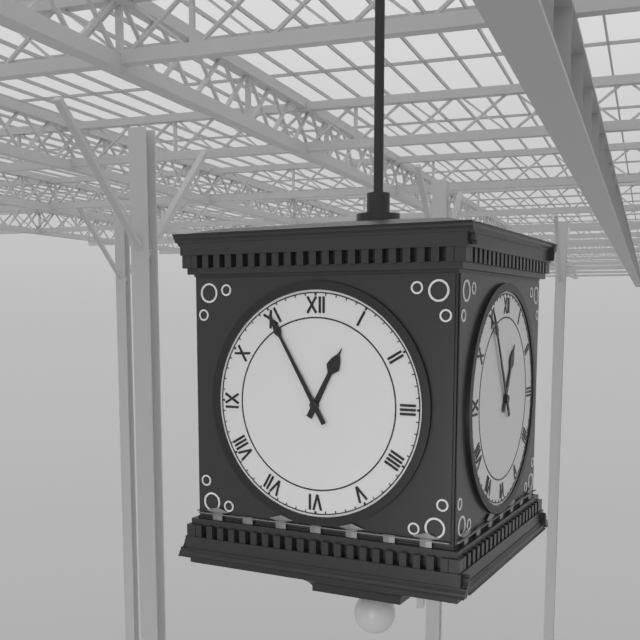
{"hour": 12, "minute": 55}
